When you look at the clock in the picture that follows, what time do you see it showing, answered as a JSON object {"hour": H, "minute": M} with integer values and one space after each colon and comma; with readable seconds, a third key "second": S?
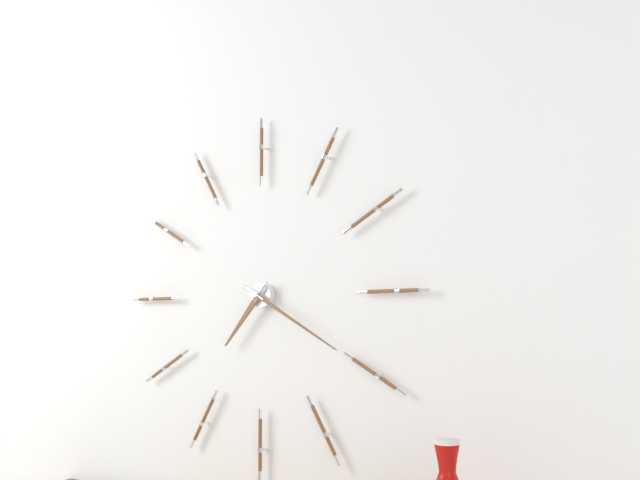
{"hour": 7, "minute": 20}
